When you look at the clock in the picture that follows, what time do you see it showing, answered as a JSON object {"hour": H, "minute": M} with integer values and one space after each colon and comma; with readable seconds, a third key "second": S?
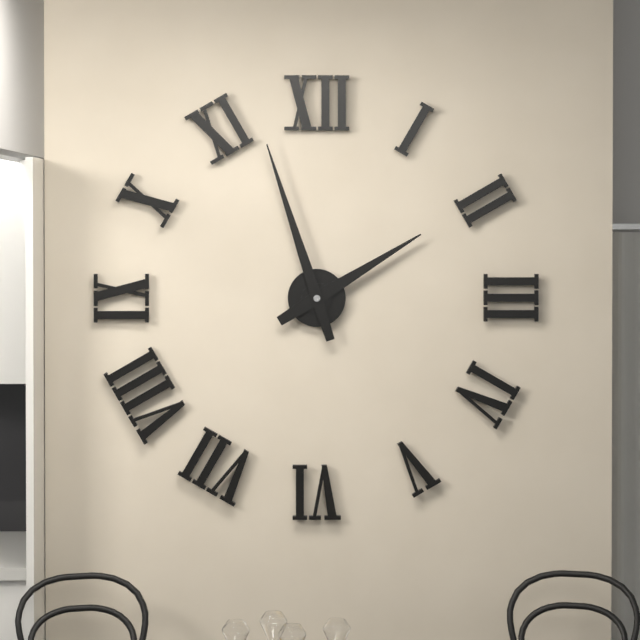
{"hour": 1, "minute": 57}
